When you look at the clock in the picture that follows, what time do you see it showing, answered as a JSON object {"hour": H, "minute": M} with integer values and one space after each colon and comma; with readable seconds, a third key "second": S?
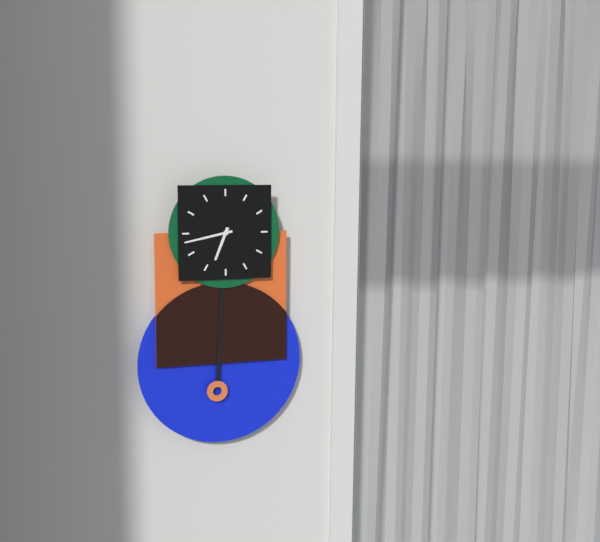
{"hour": 6, "minute": 43}
